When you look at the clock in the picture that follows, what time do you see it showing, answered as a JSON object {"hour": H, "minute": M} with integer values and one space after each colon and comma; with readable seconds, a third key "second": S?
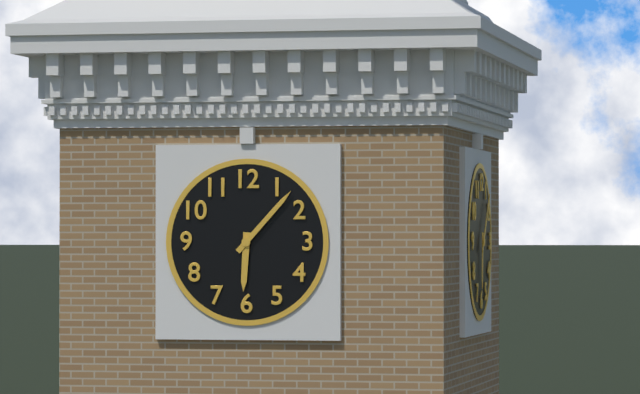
{"hour": 6, "minute": 7}
